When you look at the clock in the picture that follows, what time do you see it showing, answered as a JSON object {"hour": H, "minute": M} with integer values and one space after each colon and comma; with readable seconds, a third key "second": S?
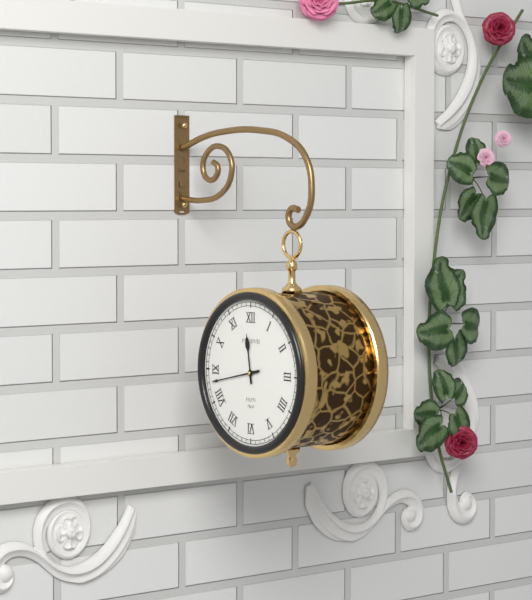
{"hour": 11, "minute": 43}
